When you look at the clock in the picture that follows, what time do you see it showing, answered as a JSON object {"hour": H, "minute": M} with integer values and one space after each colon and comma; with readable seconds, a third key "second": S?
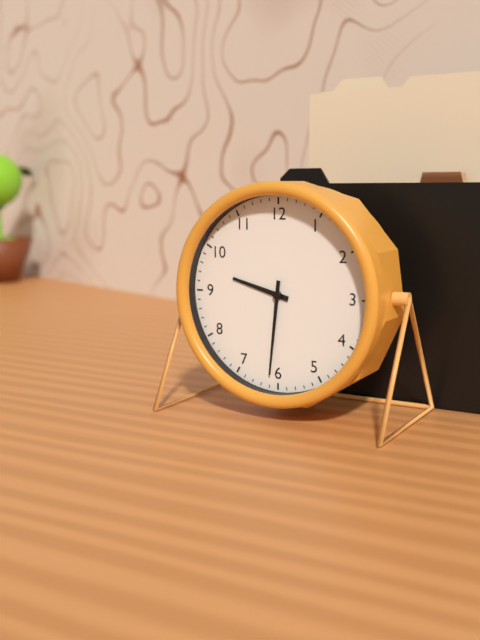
{"hour": 9, "minute": 31}
